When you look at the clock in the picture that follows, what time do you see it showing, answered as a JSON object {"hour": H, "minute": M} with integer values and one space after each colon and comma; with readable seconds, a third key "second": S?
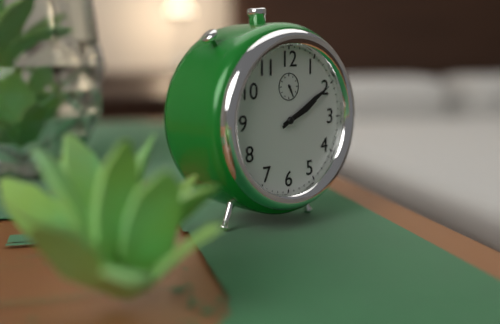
{"hour": 2, "minute": 10}
